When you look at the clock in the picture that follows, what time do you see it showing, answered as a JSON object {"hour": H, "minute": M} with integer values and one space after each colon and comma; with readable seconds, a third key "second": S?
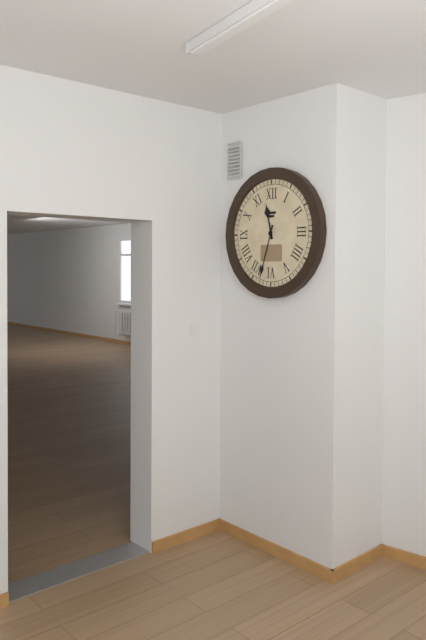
{"hour": 11, "minute": 33}
